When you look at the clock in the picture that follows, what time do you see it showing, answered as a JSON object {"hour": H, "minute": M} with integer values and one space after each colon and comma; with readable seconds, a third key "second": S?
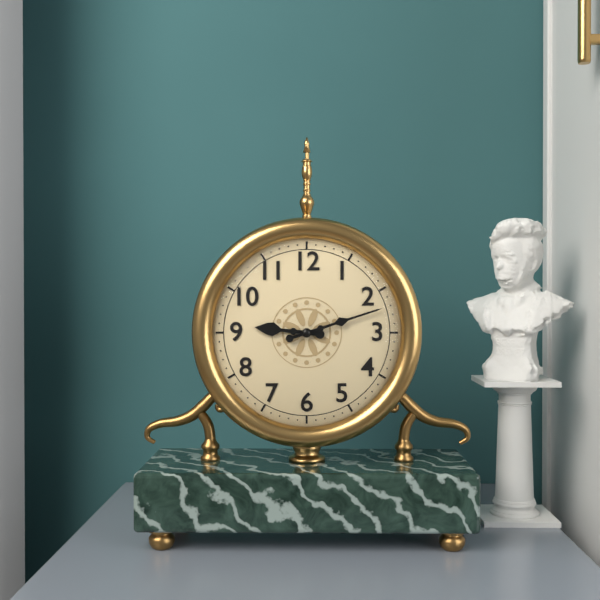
{"hour": 9, "minute": 12}
